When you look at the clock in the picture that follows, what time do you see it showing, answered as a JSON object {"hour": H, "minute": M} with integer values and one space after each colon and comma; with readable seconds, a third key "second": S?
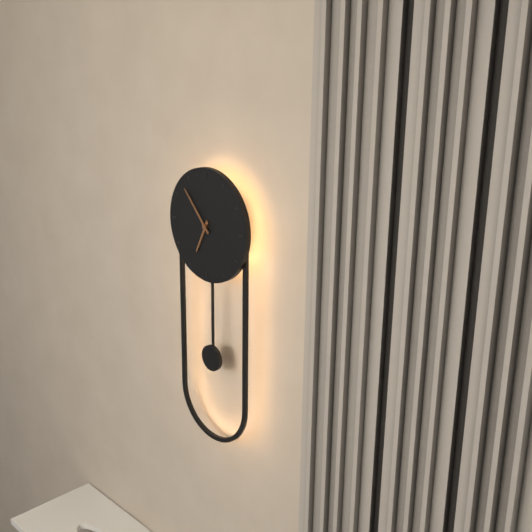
{"hour": 6, "minute": 53}
